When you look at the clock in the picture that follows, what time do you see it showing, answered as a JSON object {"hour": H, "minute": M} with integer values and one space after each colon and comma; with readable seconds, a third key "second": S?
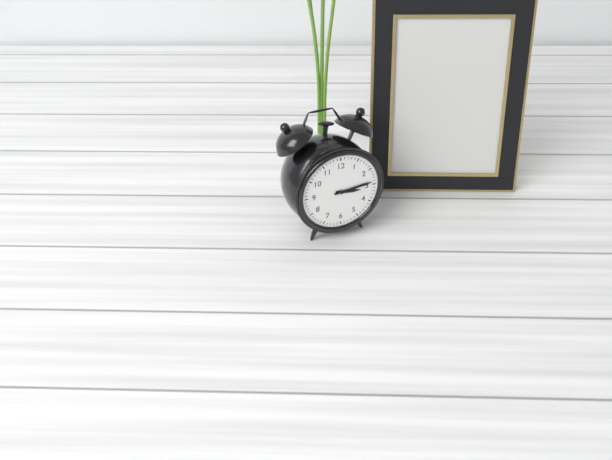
{"hour": 3, "minute": 14}
